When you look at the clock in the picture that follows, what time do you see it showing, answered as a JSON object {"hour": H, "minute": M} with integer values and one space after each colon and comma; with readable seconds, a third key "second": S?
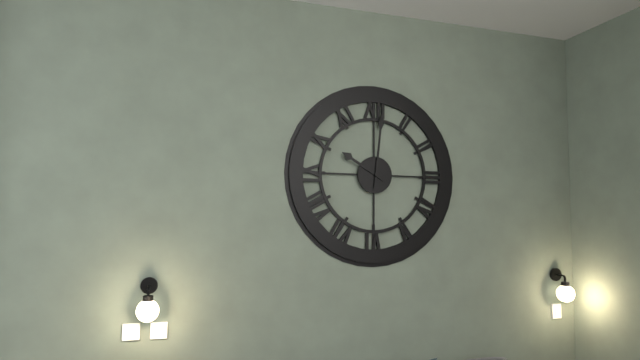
{"hour": 10, "minute": 1}
